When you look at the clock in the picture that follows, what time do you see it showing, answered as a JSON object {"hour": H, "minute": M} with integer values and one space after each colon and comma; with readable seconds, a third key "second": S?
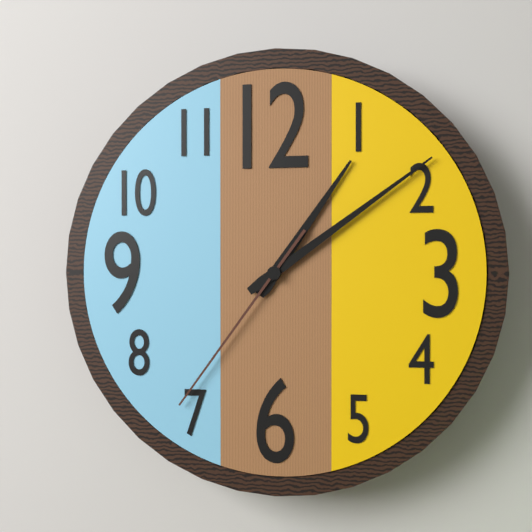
{"hour": 1, "minute": 9, "second": 36}
